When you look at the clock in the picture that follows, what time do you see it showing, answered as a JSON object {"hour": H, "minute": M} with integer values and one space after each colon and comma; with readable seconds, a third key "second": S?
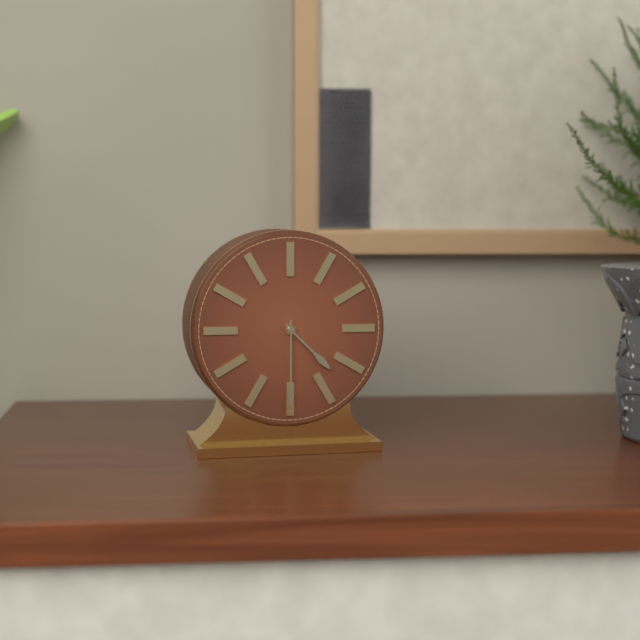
{"hour": 4, "minute": 30}
